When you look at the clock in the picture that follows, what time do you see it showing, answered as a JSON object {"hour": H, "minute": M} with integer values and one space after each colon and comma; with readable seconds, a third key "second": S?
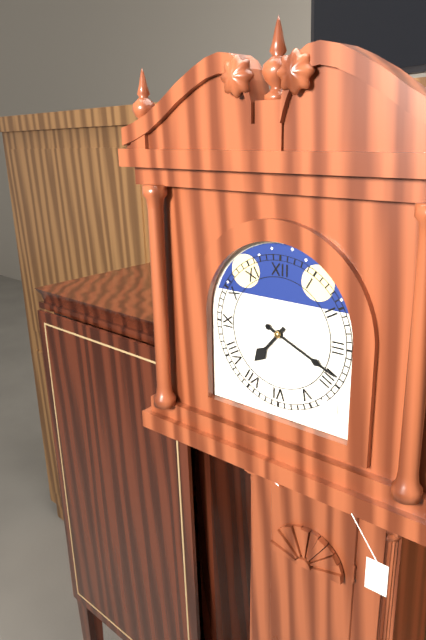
{"hour": 7, "minute": 19}
